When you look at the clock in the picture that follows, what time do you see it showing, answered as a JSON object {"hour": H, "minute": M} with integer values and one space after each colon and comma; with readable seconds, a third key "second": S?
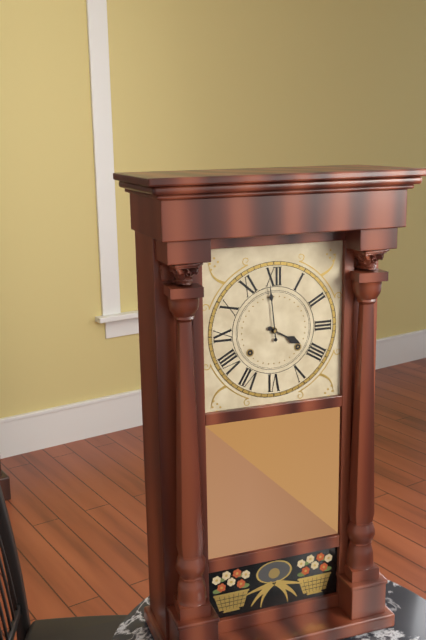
{"hour": 3, "minute": 59}
